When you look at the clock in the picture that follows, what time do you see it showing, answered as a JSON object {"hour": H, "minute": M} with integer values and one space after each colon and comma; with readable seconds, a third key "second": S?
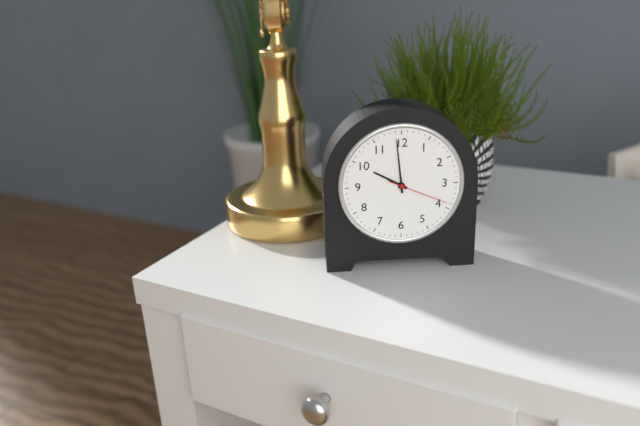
{"hour": 9, "minute": 59, "second": 19}
